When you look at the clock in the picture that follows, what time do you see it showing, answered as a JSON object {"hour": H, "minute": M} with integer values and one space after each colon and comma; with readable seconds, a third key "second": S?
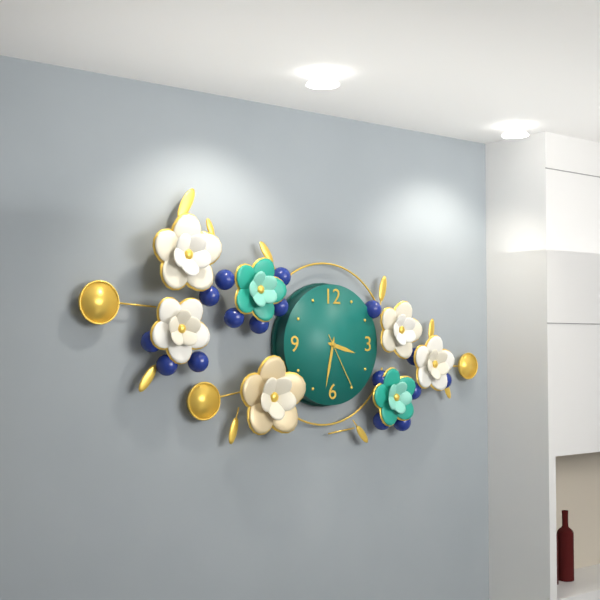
{"hour": 3, "minute": 32, "second": 25}
